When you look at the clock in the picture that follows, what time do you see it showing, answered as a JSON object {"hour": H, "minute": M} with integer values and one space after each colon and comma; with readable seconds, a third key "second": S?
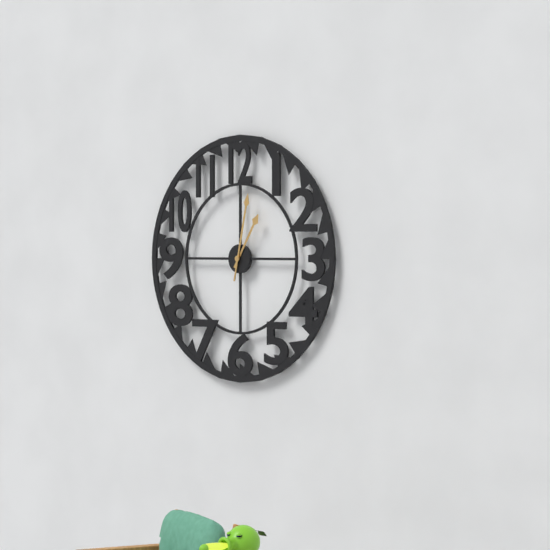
{"hour": 1, "minute": 2}
